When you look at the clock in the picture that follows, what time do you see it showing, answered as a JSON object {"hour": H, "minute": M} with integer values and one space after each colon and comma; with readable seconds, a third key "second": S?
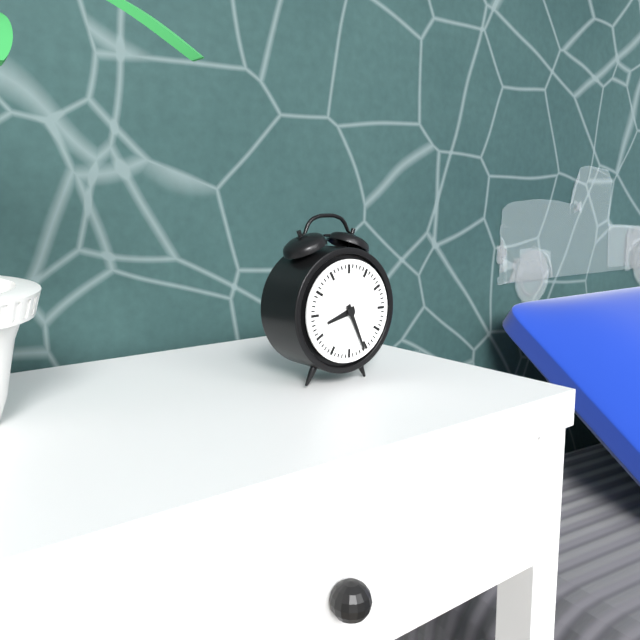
{"hour": 8, "minute": 26}
